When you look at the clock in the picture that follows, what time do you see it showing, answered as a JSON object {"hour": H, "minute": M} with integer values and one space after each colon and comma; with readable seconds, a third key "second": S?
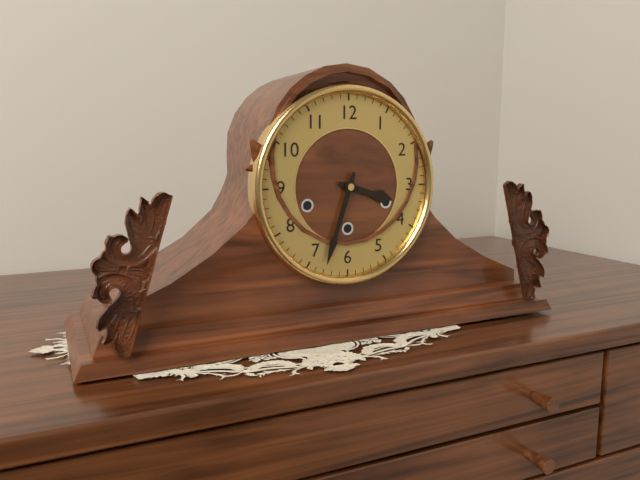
{"hour": 3, "minute": 33}
